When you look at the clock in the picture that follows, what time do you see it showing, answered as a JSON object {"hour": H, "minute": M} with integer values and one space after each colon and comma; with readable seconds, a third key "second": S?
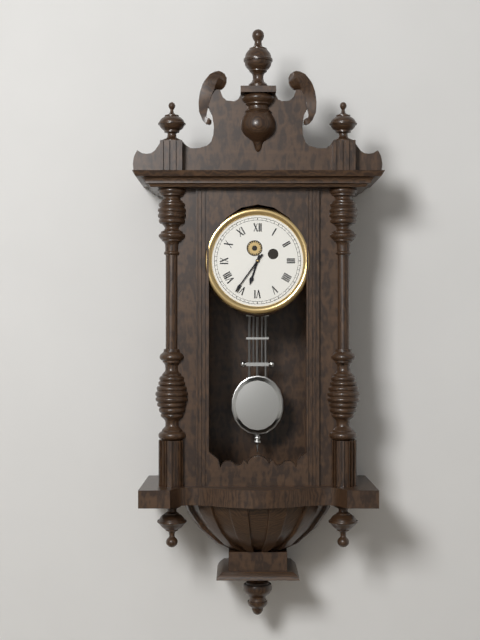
{"hour": 6, "minute": 36}
